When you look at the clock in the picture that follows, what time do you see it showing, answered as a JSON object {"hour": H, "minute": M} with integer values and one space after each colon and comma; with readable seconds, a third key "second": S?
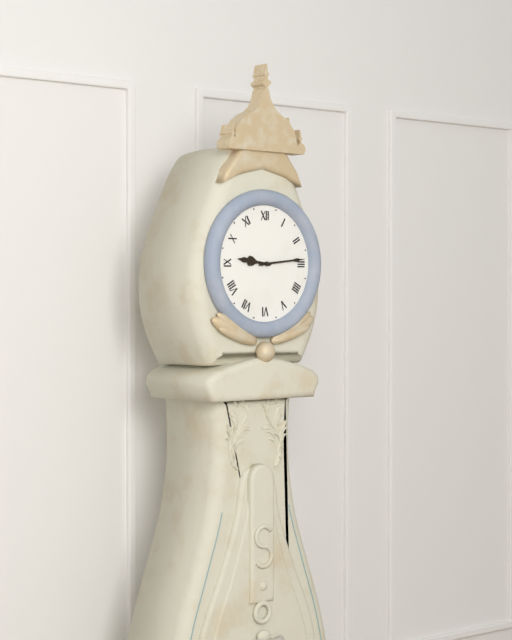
{"hour": 9, "minute": 14}
